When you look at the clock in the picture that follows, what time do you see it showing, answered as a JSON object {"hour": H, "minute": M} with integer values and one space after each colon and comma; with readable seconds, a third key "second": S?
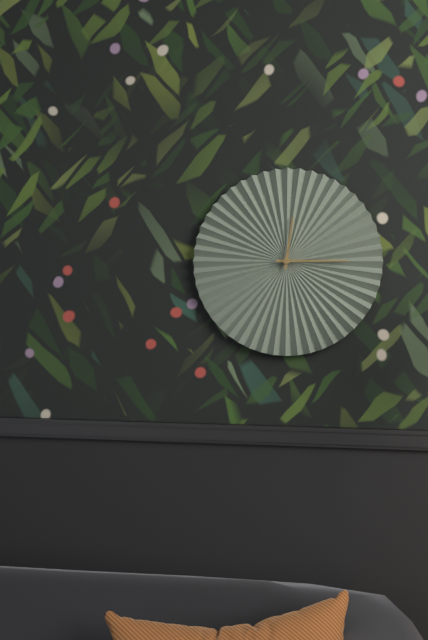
{"hour": 12, "minute": 15}
